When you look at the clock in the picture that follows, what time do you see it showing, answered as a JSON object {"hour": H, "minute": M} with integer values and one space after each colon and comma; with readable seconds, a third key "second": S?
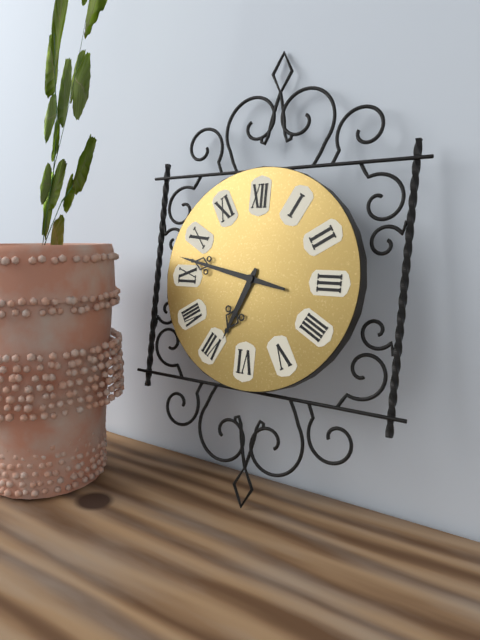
{"hour": 6, "minute": 47}
